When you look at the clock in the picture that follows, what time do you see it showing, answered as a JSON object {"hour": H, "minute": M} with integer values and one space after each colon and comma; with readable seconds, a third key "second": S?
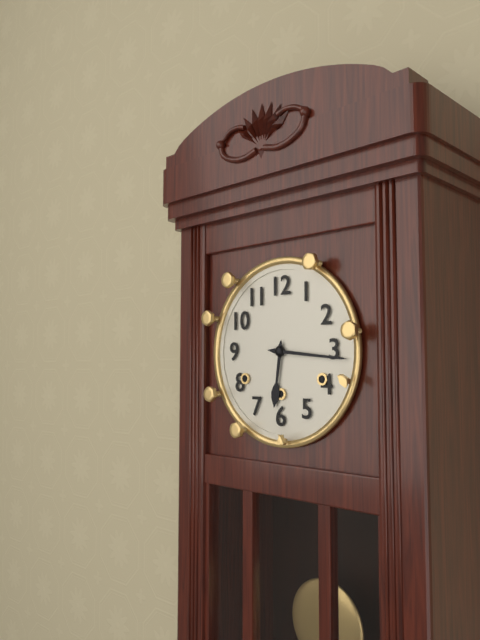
{"hour": 6, "minute": 16}
